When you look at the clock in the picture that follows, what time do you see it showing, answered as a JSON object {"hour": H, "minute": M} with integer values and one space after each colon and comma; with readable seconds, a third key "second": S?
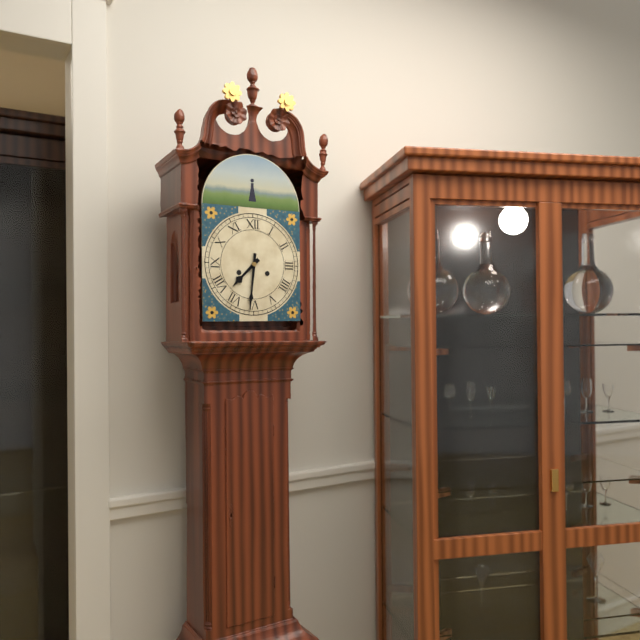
{"hour": 7, "minute": 31}
